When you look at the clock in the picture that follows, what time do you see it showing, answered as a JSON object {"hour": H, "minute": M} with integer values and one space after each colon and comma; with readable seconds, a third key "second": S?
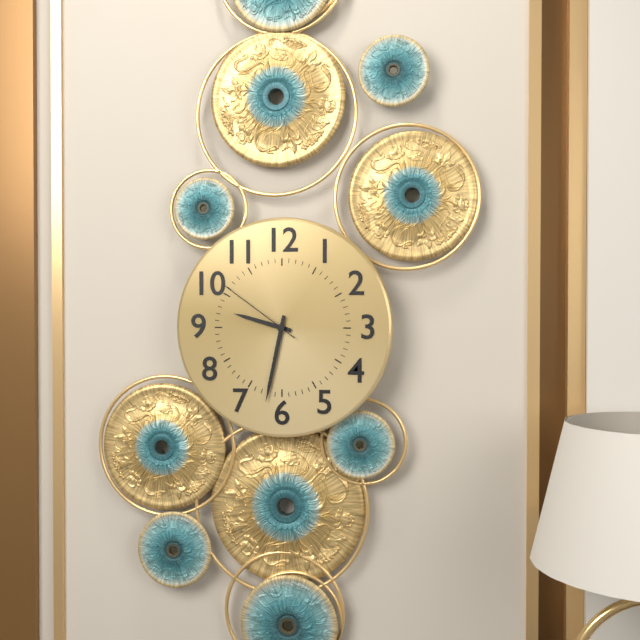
{"hour": 9, "minute": 32, "second": 51}
